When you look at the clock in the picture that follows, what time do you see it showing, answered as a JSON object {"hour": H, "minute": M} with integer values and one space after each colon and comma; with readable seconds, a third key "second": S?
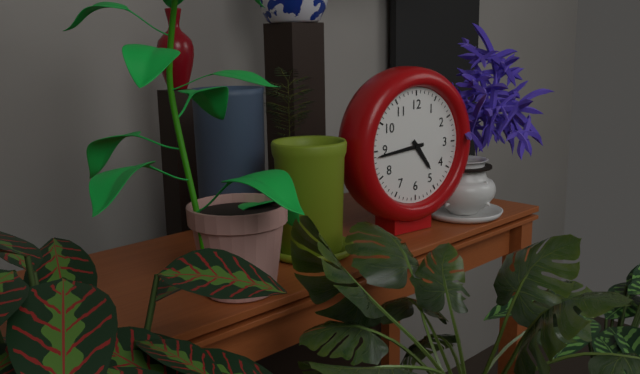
{"hour": 4, "minute": 44}
